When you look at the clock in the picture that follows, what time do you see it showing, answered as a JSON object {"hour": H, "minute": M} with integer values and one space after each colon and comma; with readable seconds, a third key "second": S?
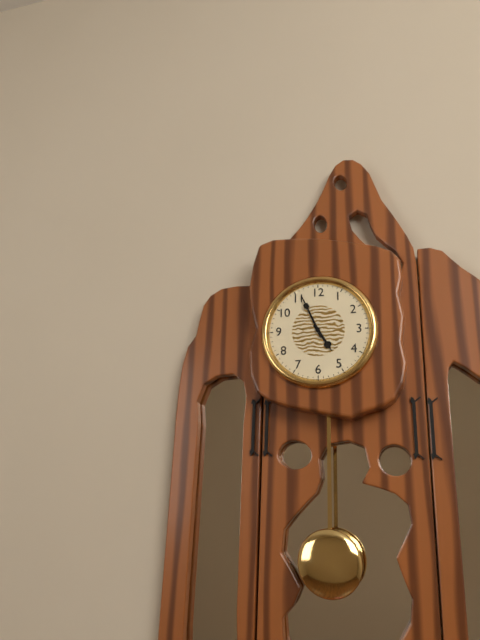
{"hour": 4, "minute": 56}
